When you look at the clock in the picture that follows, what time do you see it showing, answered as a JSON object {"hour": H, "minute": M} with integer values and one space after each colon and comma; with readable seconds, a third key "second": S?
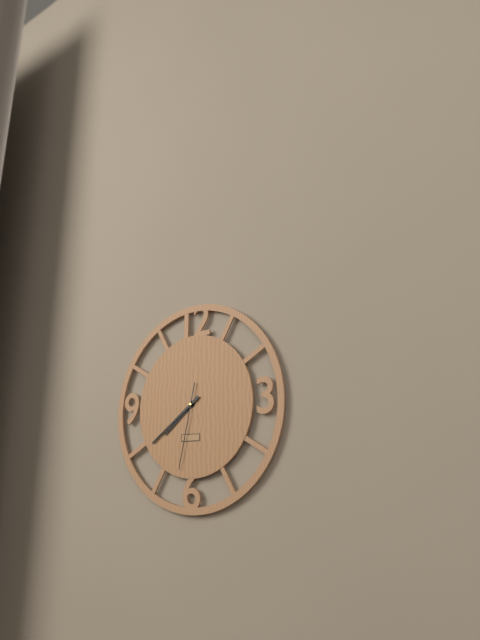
{"hour": 7, "minute": 39, "second": 32}
